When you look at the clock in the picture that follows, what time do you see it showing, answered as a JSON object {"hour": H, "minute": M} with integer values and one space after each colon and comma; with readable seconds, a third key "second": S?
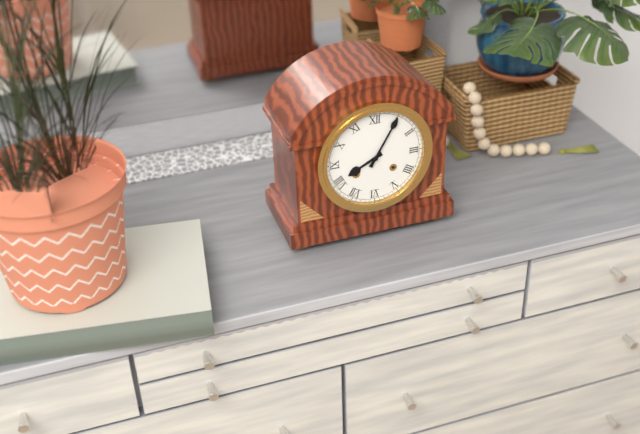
{"hour": 8, "minute": 5}
